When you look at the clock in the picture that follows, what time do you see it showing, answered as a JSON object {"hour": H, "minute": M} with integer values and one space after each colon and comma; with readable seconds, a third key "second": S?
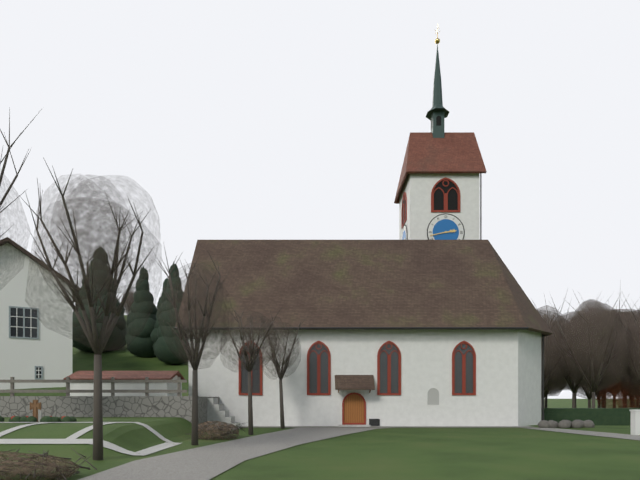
{"hour": 2, "minute": 43}
